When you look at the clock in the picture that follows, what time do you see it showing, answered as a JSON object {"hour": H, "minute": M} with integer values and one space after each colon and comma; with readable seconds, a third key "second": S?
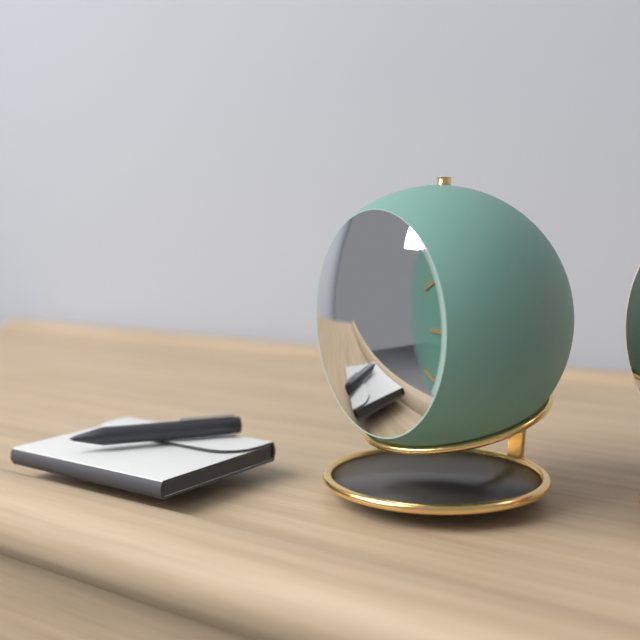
{"hour": 5, "minute": 35, "second": 24}
